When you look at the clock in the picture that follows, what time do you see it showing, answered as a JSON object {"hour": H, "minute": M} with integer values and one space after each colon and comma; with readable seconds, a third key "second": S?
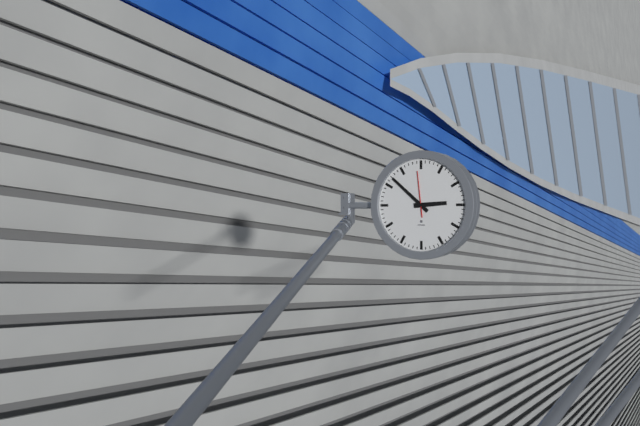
{"hour": 2, "minute": 52}
